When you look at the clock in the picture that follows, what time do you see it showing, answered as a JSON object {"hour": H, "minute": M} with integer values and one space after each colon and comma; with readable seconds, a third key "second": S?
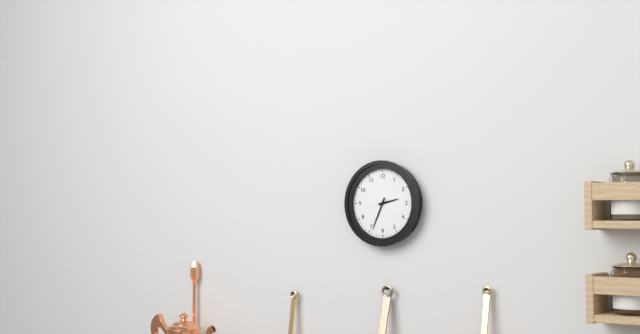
{"hour": 2, "minute": 34}
